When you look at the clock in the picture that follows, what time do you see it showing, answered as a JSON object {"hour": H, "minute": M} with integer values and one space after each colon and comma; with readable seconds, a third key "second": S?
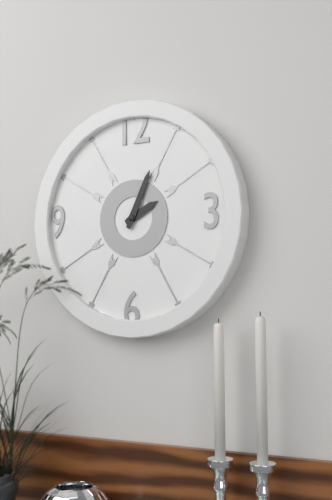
{"hour": 2, "minute": 4}
